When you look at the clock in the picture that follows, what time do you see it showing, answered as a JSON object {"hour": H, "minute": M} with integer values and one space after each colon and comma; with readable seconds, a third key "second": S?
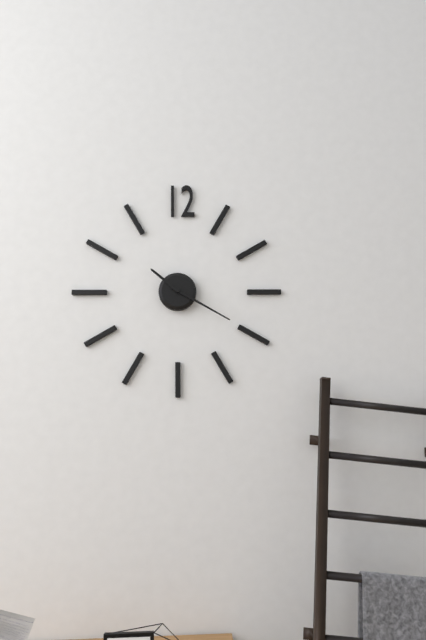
{"hour": 10, "minute": 20}
